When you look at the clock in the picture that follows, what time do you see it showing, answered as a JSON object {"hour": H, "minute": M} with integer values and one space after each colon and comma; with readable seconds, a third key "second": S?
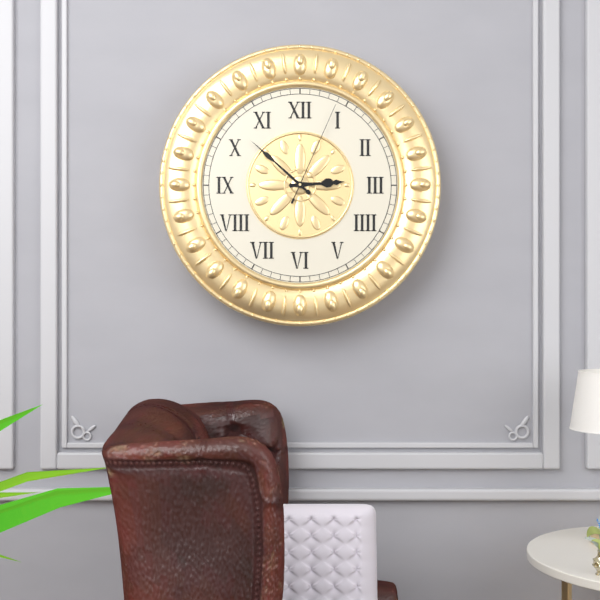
{"hour": 2, "minute": 52, "second": 4}
